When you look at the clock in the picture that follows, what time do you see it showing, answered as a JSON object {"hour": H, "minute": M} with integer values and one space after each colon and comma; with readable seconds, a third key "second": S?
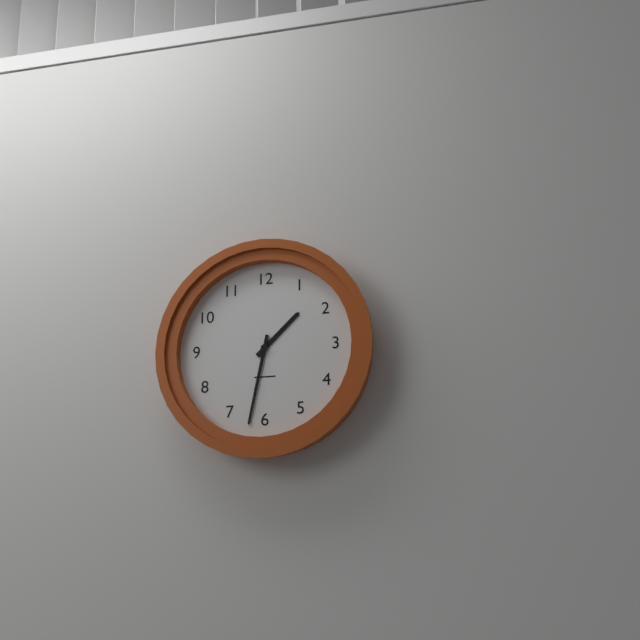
{"hour": 1, "minute": 32}
